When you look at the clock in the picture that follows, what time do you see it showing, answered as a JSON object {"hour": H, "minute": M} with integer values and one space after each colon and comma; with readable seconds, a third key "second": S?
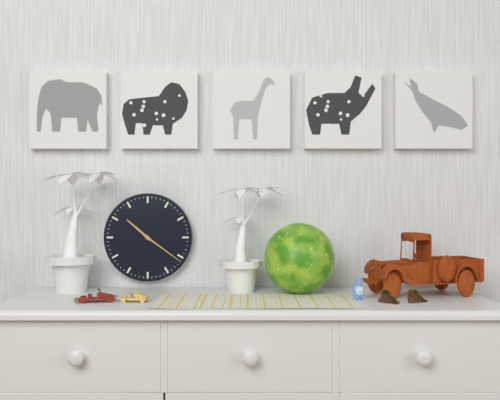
{"hour": 10, "minute": 21}
